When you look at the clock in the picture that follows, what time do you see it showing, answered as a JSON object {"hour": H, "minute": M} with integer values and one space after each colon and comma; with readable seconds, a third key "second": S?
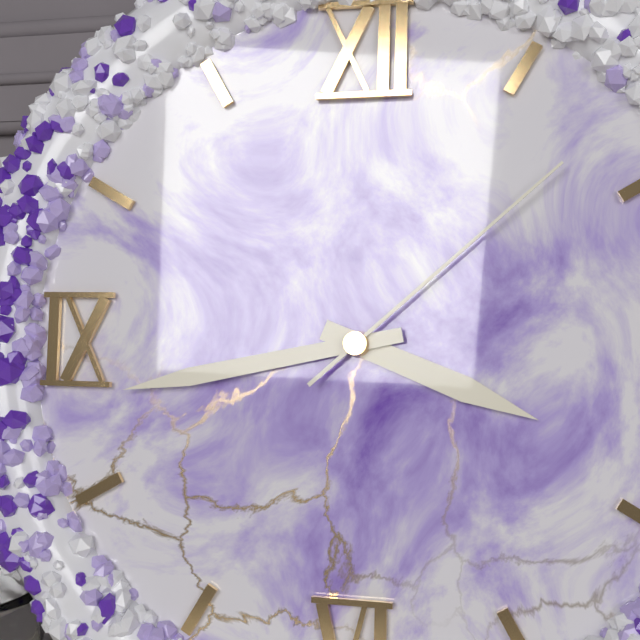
{"hour": 3, "minute": 43, "second": 8}
